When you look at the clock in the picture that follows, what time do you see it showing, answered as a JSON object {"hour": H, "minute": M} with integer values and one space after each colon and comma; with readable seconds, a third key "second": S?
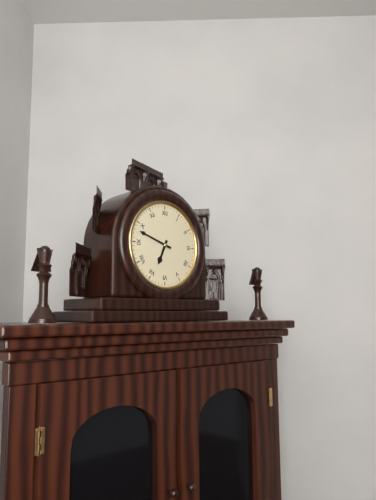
{"hour": 6, "minute": 48}
